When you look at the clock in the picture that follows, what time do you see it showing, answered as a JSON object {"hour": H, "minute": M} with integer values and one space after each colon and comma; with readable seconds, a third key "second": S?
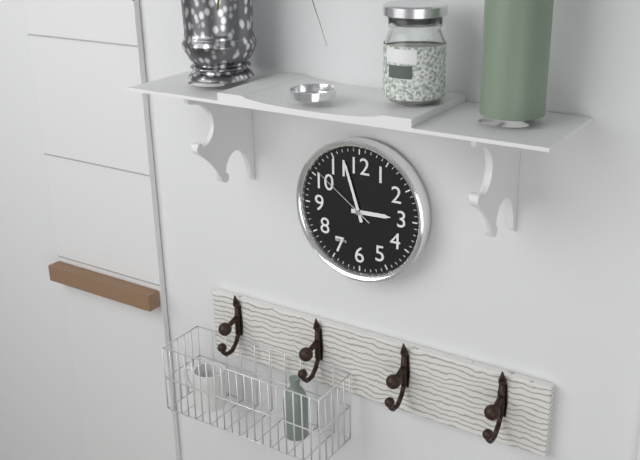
{"hour": 2, "minute": 57, "second": 51}
